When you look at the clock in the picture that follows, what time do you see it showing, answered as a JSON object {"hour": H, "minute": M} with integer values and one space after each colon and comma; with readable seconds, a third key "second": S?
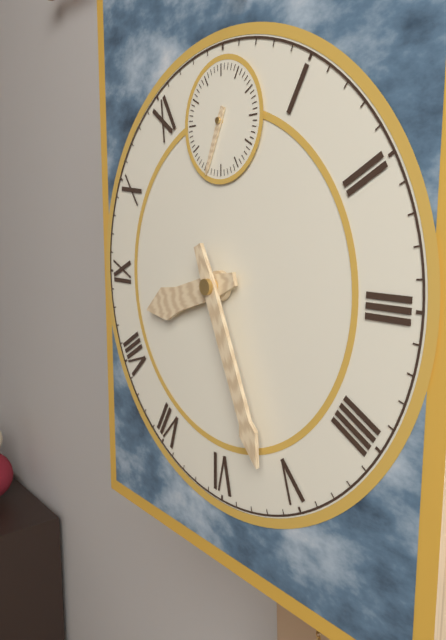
{"hour": 8, "minute": 26, "second": 34}
